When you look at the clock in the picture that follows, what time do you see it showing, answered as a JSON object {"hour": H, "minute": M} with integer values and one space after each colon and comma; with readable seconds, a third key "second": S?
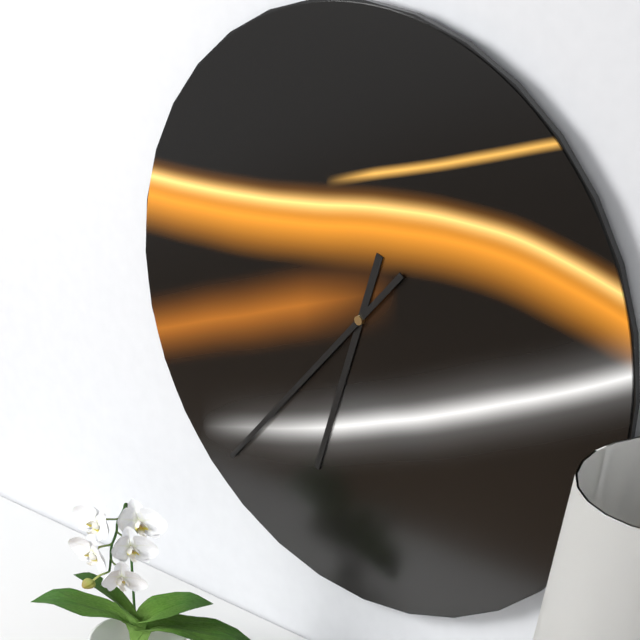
{"hour": 6, "minute": 37}
